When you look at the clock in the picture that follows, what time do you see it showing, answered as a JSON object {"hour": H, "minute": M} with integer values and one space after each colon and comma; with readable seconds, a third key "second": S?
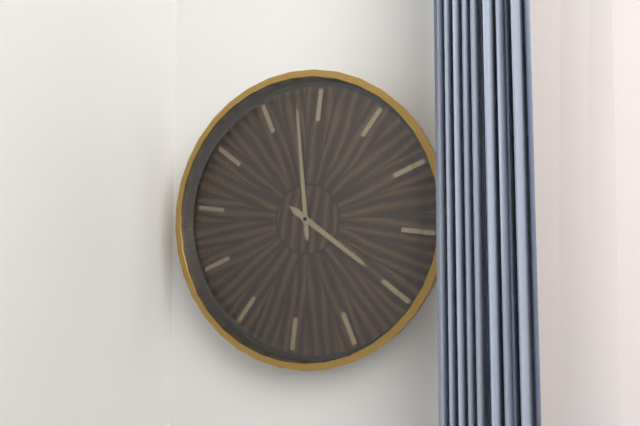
{"hour": 3, "minute": 58}
